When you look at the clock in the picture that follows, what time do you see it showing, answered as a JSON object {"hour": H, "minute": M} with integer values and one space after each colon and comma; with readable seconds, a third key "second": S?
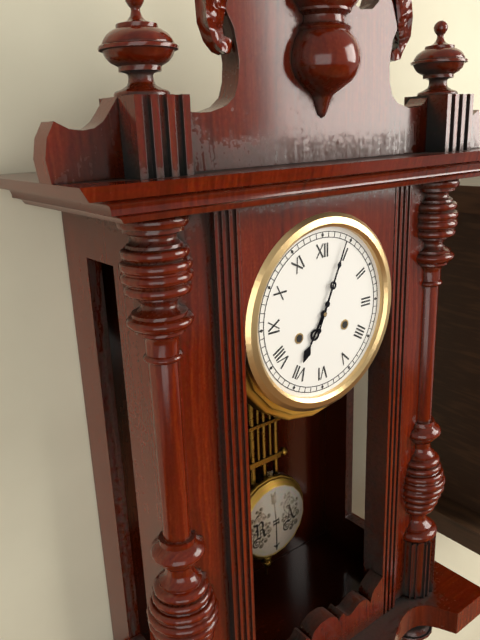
{"hour": 7, "minute": 4}
